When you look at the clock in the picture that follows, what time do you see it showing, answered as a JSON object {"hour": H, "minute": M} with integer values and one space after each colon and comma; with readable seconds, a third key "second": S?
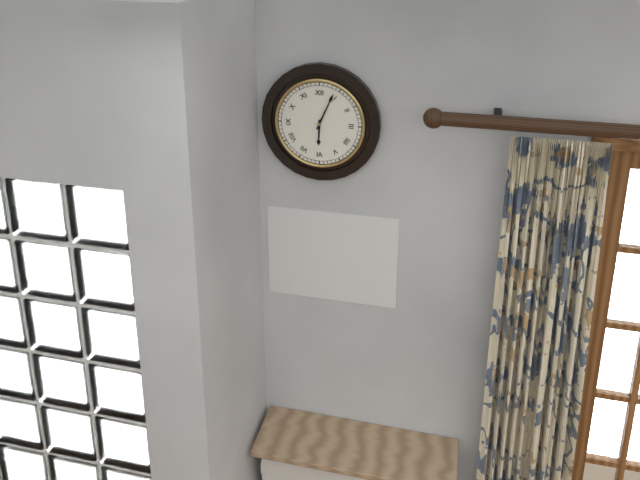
{"hour": 6, "minute": 4}
